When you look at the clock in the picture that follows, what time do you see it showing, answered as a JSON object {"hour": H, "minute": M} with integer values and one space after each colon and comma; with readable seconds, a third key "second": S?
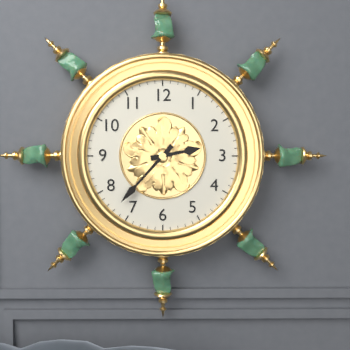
{"hour": 2, "minute": 37}
